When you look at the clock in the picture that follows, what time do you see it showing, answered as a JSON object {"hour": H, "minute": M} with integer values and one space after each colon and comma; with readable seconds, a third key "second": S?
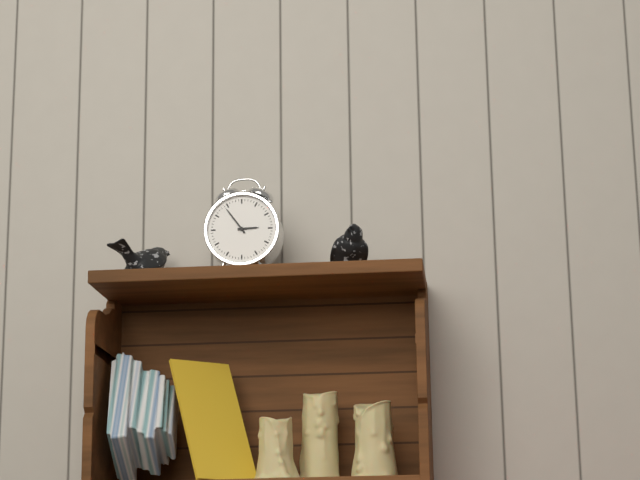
{"hour": 2, "minute": 54}
